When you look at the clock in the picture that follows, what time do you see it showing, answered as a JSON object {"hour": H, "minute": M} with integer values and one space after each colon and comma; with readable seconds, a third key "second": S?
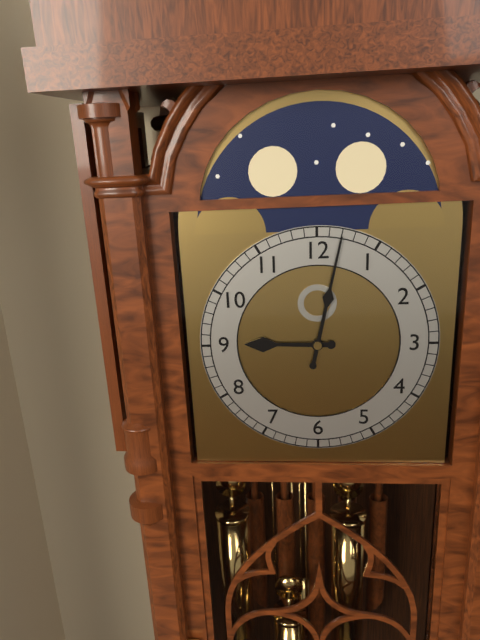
{"hour": 9, "minute": 2}
